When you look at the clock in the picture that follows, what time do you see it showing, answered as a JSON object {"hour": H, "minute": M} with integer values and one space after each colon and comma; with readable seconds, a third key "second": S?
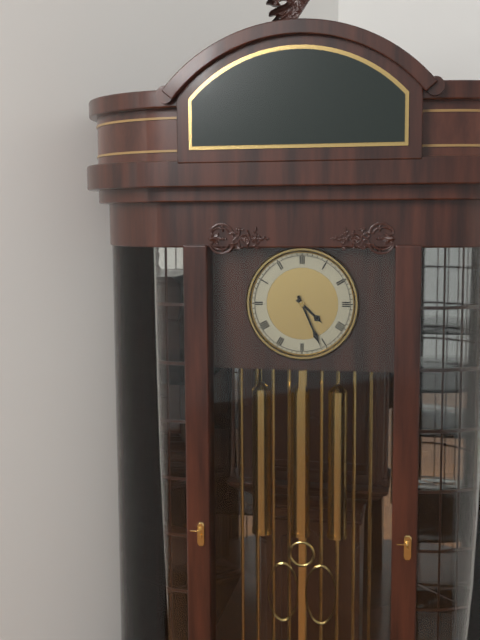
{"hour": 4, "minute": 26}
